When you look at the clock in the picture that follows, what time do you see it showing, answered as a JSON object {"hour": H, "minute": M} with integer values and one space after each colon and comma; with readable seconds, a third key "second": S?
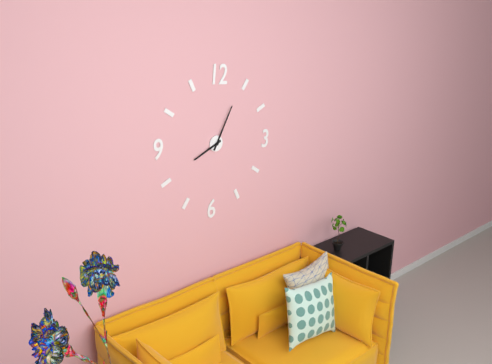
{"hour": 8, "minute": 4}
